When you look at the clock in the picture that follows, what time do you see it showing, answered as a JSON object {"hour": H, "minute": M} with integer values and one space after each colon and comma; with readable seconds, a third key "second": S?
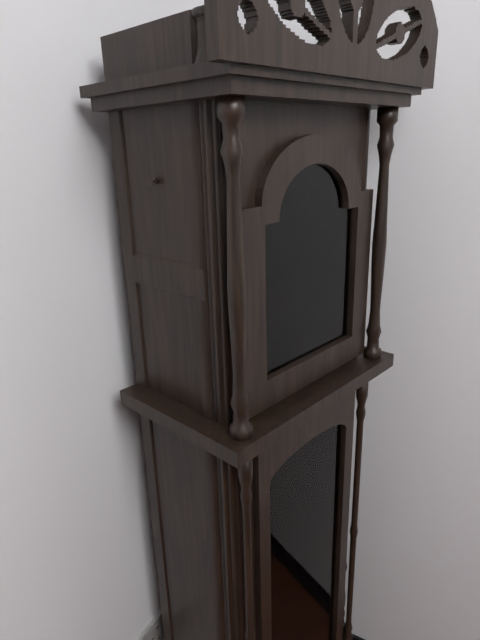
{"hour": 2, "minute": 32}
